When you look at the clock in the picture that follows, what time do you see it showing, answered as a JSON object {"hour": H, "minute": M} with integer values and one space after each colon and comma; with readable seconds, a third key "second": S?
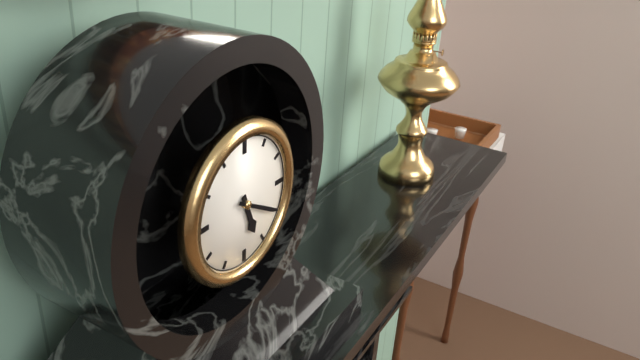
{"hour": 5, "minute": 20}
